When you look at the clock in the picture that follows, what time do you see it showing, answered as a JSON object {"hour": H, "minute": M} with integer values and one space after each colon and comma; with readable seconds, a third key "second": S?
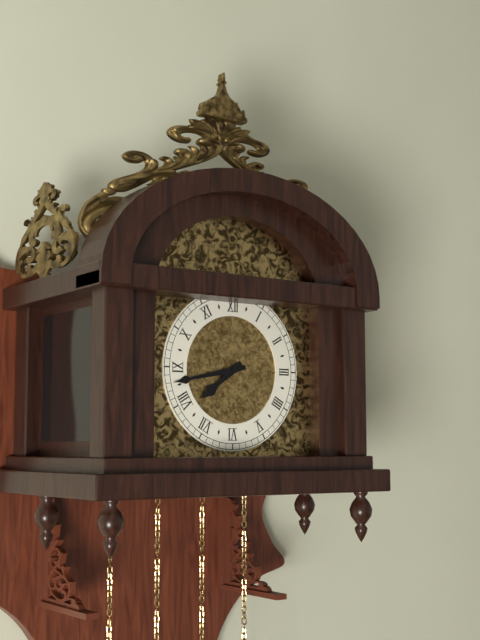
{"hour": 7, "minute": 43}
